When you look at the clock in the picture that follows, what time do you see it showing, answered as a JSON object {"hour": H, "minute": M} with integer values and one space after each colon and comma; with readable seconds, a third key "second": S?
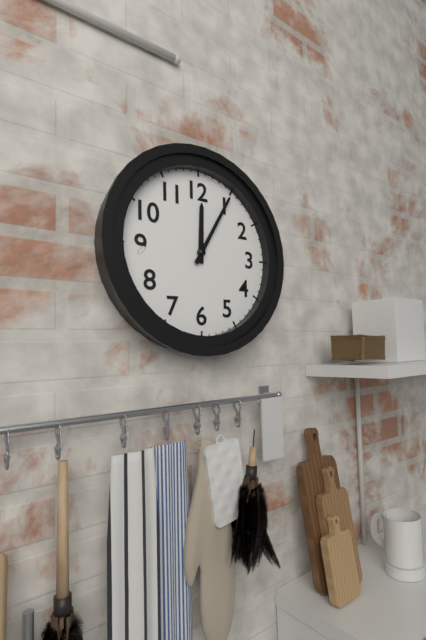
{"hour": 12, "minute": 5}
